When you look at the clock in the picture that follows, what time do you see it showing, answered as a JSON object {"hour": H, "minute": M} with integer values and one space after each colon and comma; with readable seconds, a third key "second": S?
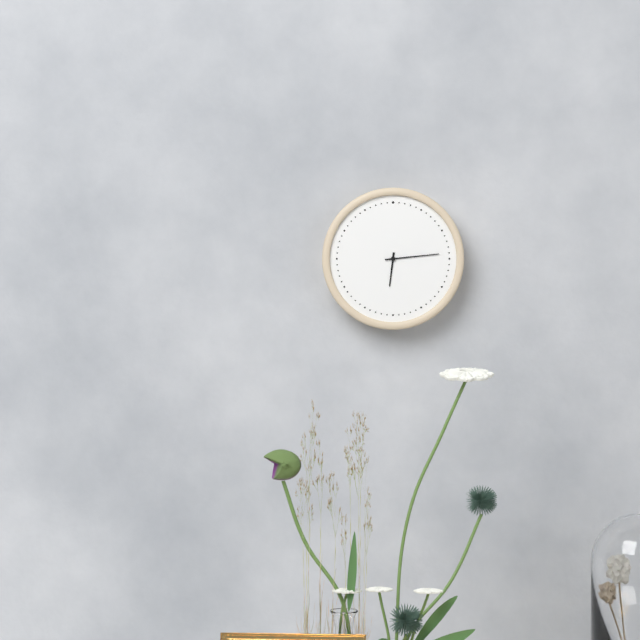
{"hour": 6, "minute": 14}
